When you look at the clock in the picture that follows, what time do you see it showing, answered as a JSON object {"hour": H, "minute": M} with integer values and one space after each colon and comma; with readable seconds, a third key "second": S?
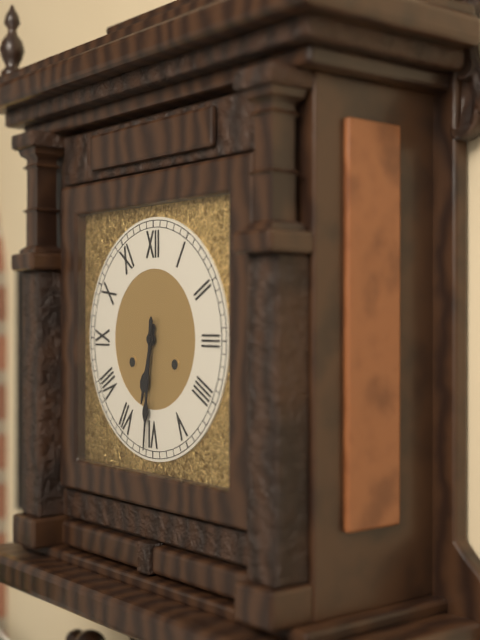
{"hour": 6, "minute": 31}
